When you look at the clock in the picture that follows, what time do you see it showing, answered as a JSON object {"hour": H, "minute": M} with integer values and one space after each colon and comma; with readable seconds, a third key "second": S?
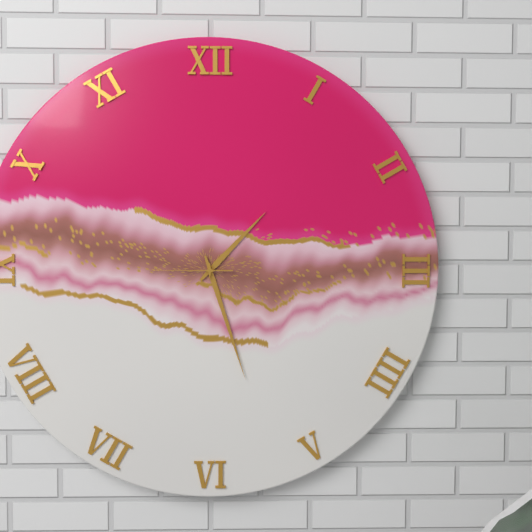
{"hour": 1, "minute": 27, "second": 45}
